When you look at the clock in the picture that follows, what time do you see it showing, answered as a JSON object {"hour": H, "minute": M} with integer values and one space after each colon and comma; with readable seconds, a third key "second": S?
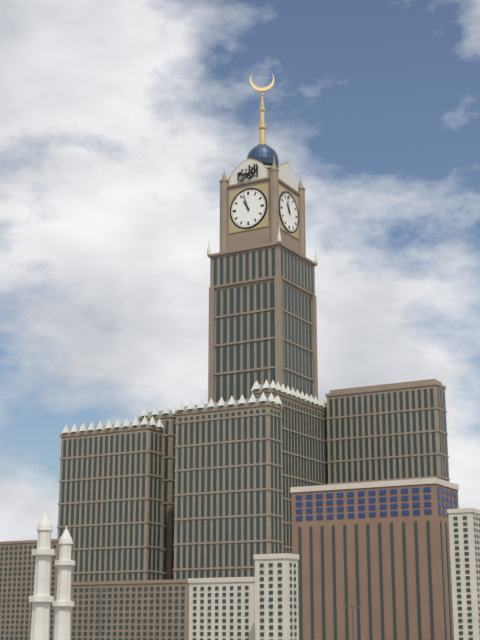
{"hour": 10, "minute": 57}
